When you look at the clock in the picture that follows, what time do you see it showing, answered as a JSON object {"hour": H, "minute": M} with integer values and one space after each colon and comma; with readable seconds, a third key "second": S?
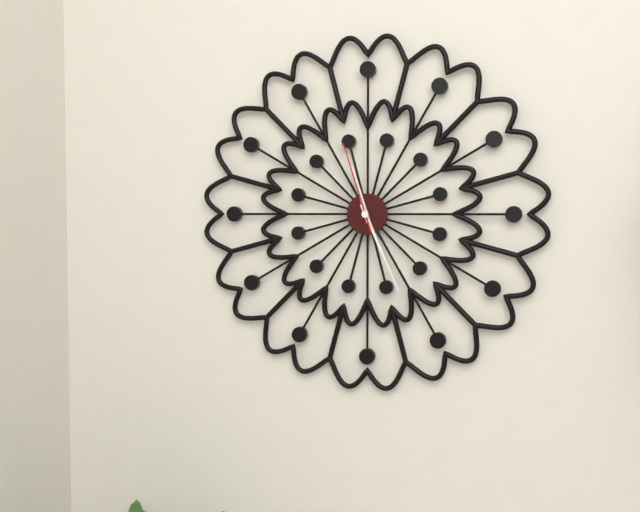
{"hour": 11, "minute": 26, "second": 57}
